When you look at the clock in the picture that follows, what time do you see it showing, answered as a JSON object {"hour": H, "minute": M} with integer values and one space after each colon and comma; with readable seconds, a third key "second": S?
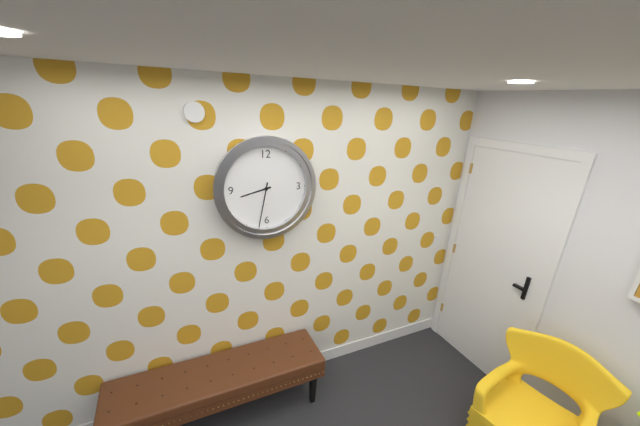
{"hour": 8, "minute": 32}
